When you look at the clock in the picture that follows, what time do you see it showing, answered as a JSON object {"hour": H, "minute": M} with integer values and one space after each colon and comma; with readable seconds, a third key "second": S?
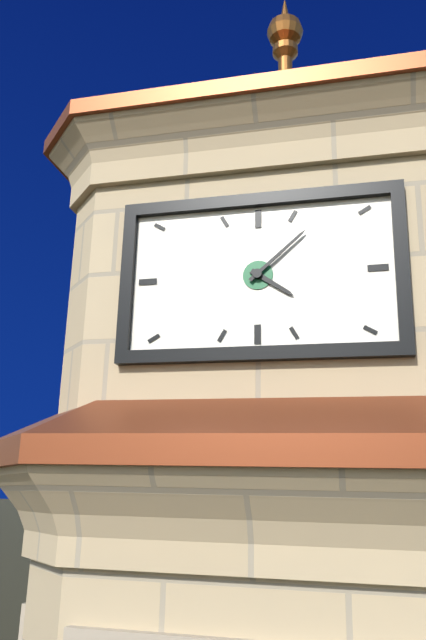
{"hour": 4, "minute": 8}
